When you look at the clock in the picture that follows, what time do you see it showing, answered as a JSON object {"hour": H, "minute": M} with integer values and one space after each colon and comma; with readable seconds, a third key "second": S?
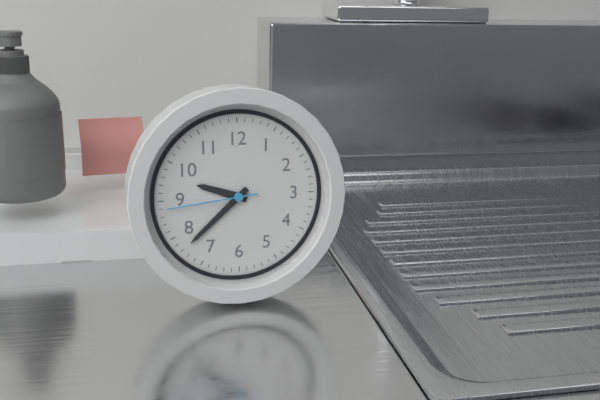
{"hour": 9, "minute": 38, "second": 44}
